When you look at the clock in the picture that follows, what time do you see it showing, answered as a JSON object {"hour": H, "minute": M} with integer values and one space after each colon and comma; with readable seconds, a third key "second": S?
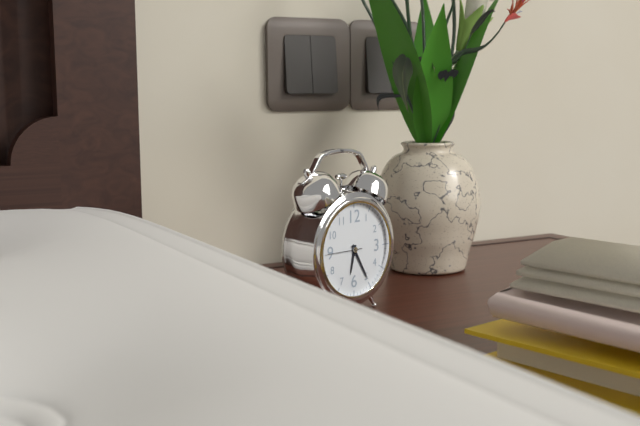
{"hour": 6, "minute": 25}
